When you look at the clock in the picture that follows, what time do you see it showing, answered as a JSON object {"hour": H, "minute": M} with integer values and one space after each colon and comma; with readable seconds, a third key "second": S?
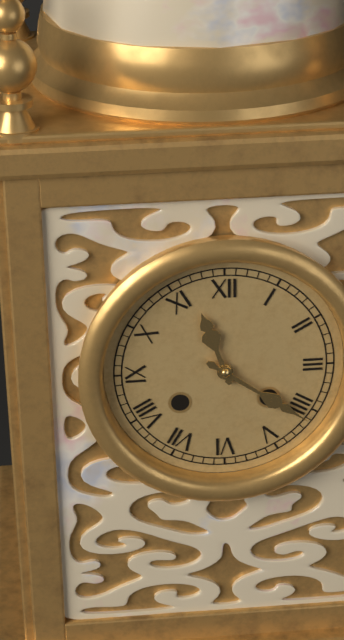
{"hour": 11, "minute": 21}
